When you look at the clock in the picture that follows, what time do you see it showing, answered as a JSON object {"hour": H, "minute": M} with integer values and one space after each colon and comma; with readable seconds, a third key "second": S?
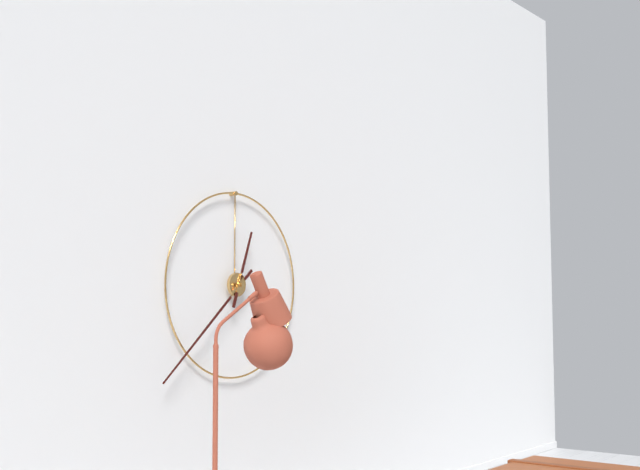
{"hour": 12, "minute": 38}
